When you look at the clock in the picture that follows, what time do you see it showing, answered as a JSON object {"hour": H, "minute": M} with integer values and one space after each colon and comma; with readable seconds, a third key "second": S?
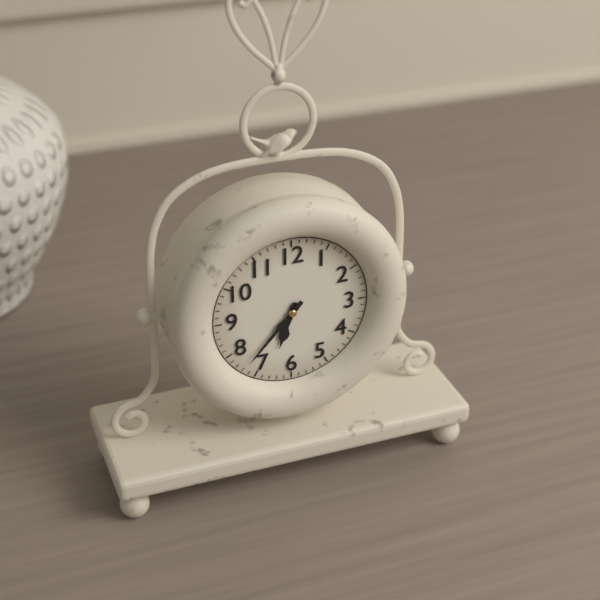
{"hour": 6, "minute": 37}
